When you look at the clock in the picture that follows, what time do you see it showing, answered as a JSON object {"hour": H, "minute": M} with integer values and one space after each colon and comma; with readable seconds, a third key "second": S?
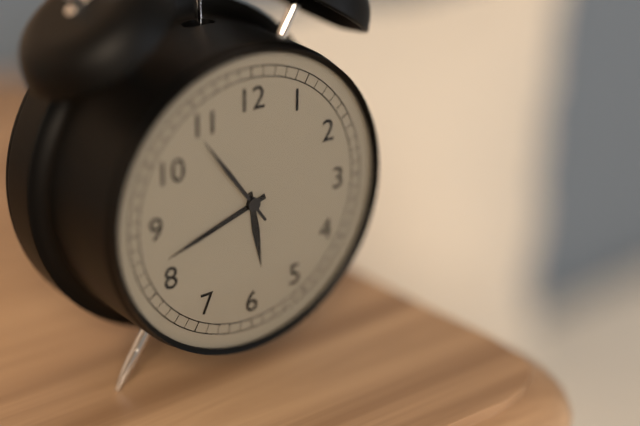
{"hour": 5, "minute": 42, "second": 54}
